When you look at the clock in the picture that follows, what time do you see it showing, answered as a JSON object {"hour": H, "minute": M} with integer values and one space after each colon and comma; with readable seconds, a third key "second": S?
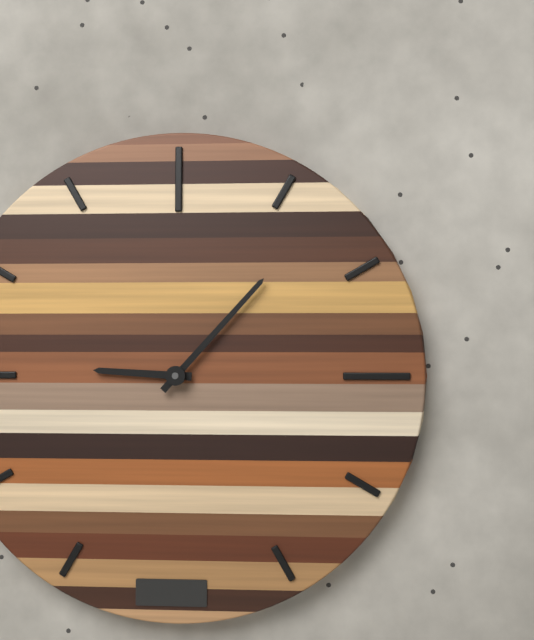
{"hour": 9, "minute": 7}
